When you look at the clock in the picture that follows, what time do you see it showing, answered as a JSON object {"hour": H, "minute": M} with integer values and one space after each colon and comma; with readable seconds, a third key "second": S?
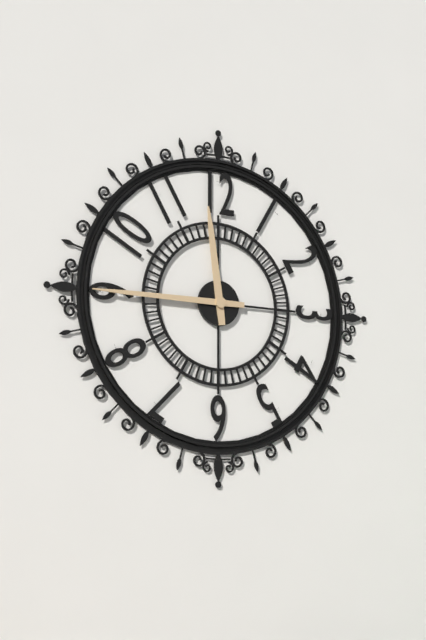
{"hour": 11, "minute": 45}
